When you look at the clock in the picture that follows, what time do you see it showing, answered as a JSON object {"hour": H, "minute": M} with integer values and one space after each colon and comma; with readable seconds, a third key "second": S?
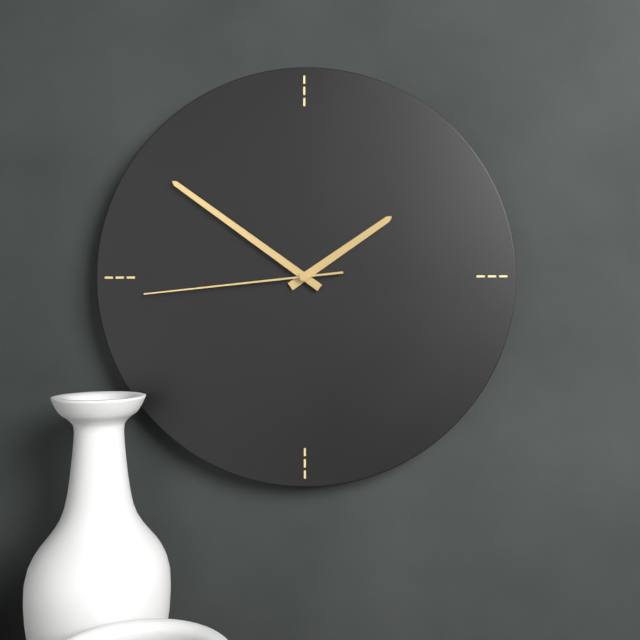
{"hour": 1, "minute": 51, "second": 44}
